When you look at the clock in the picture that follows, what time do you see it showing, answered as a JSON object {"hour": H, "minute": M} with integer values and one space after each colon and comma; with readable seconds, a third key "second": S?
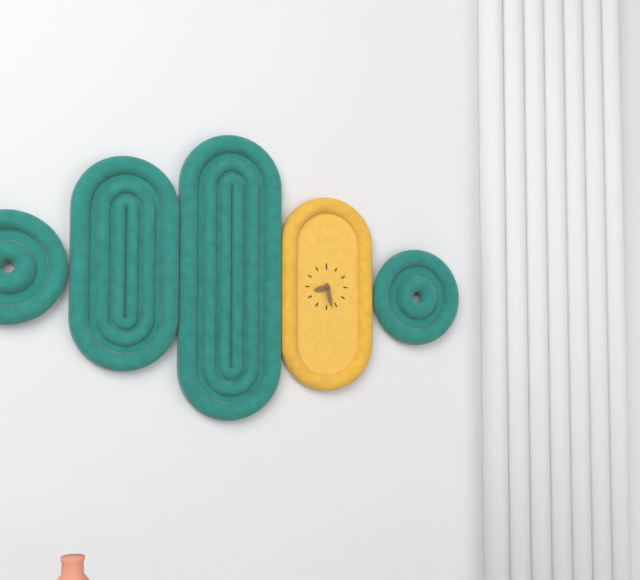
{"hour": 8, "minute": 28}
